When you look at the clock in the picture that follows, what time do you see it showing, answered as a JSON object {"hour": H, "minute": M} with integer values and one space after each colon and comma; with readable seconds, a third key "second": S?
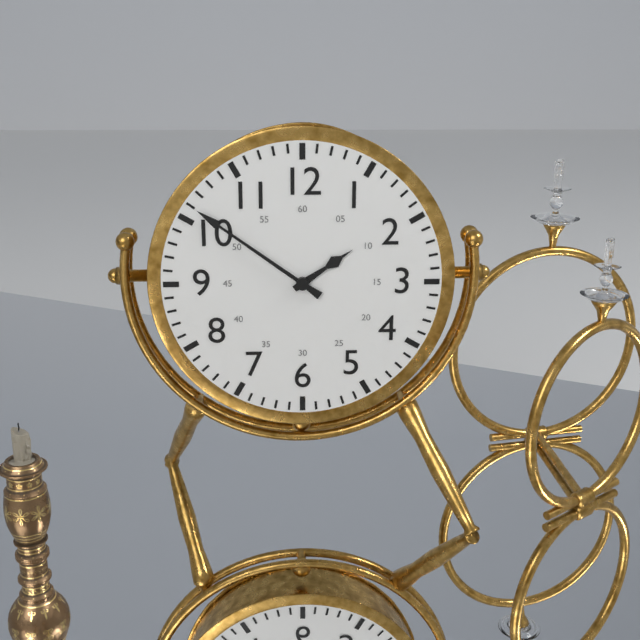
{"hour": 1, "minute": 51}
